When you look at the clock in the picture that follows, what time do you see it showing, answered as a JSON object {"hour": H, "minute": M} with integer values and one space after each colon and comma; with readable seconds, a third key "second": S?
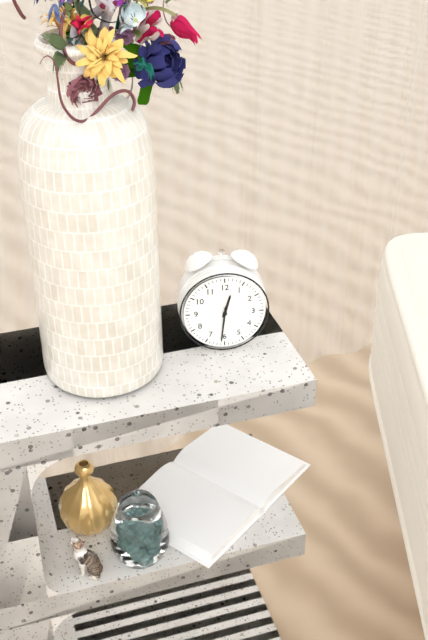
{"hour": 12, "minute": 31}
